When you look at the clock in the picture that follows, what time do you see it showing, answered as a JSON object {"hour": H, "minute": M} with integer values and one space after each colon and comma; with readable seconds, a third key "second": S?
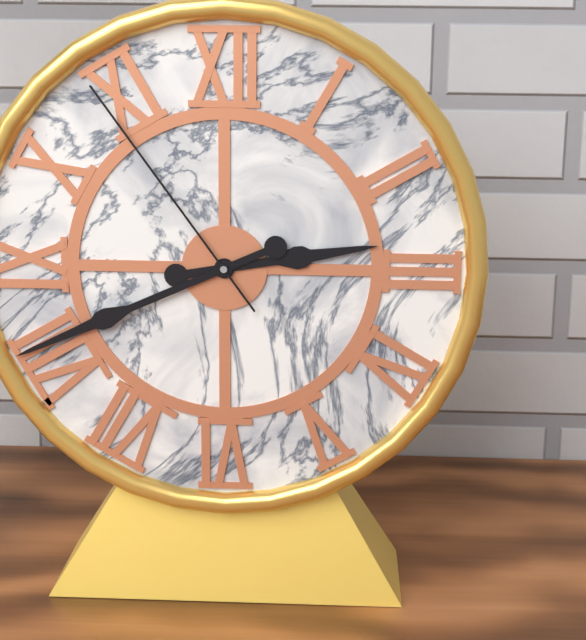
{"hour": 2, "minute": 41, "second": 54}
